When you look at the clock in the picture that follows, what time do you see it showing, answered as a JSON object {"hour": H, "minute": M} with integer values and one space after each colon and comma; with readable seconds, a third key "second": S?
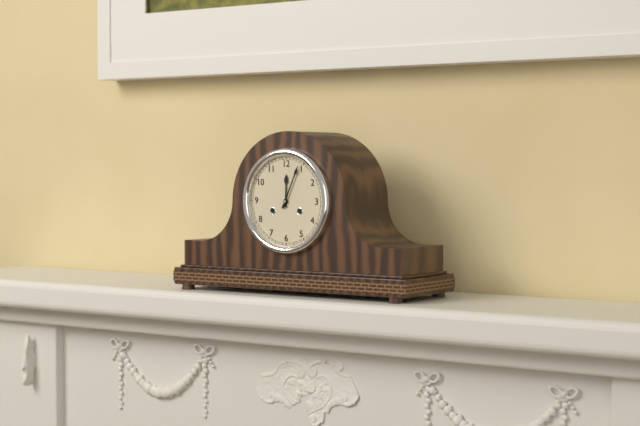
{"hour": 12, "minute": 4}
